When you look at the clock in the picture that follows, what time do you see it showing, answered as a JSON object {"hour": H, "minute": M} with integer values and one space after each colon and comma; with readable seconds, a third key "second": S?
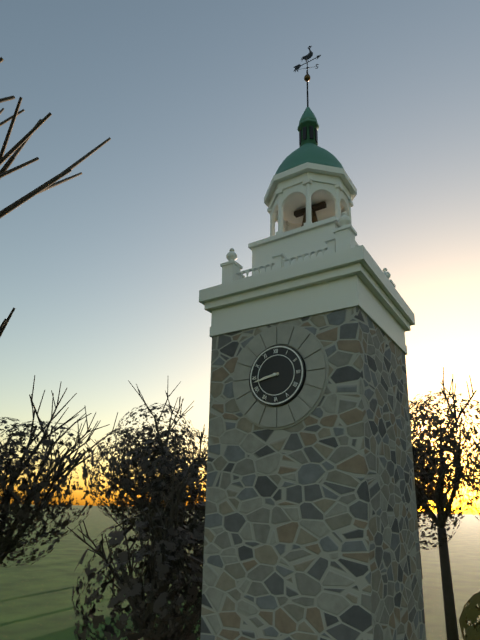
{"hour": 8, "minute": 43}
